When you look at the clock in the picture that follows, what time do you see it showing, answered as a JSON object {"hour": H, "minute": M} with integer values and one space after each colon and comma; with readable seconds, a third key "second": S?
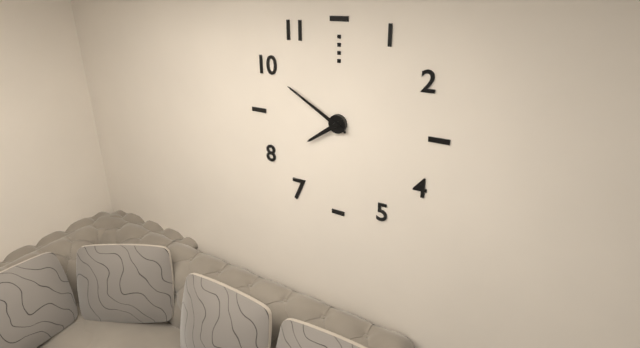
{"hour": 7, "minute": 50}
